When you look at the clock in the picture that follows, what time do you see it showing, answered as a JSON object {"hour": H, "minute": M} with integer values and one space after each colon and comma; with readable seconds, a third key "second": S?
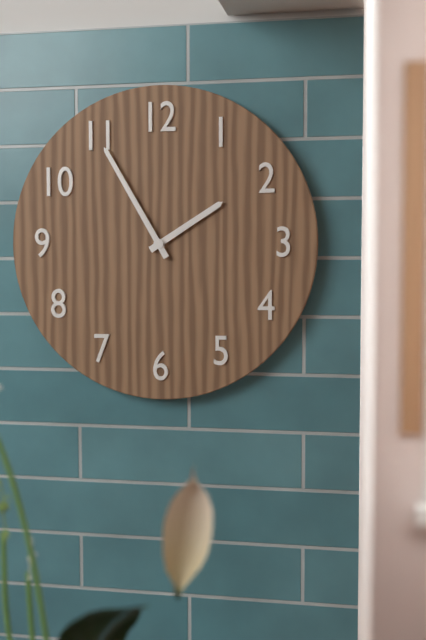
{"hour": 1, "minute": 55}
